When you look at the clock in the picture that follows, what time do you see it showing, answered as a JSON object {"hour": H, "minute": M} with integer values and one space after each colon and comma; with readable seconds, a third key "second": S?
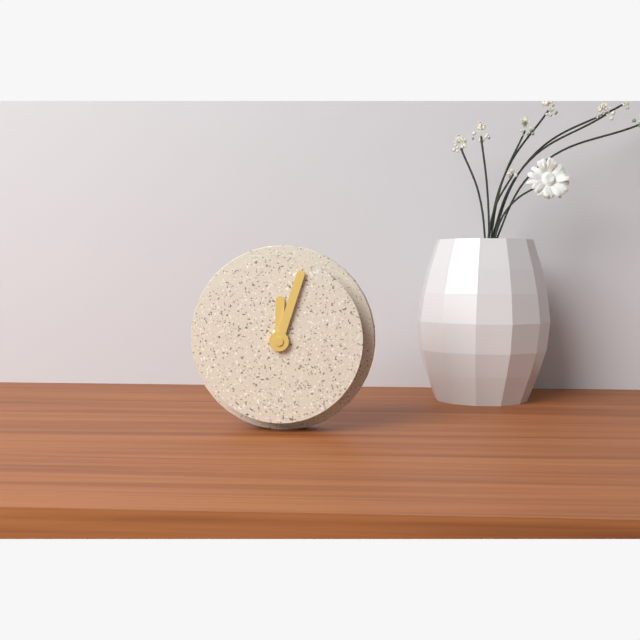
{"hour": 12, "minute": 3}
